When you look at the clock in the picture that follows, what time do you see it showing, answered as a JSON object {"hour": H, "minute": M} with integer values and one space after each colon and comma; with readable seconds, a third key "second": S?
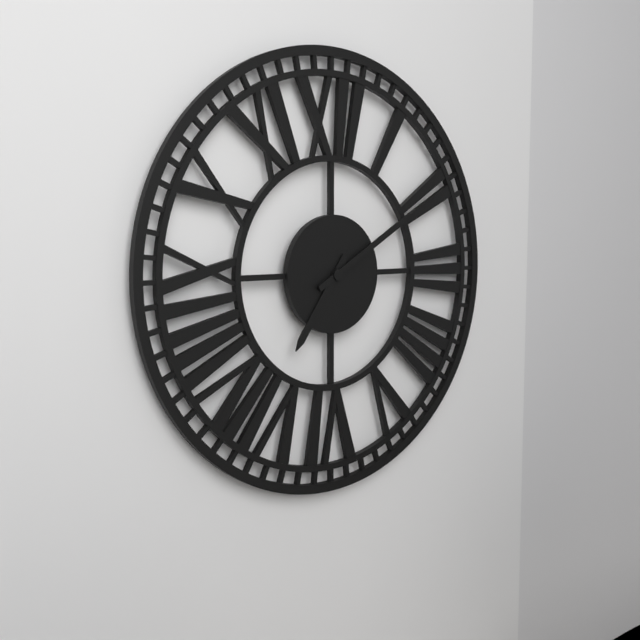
{"hour": 7, "minute": 10}
